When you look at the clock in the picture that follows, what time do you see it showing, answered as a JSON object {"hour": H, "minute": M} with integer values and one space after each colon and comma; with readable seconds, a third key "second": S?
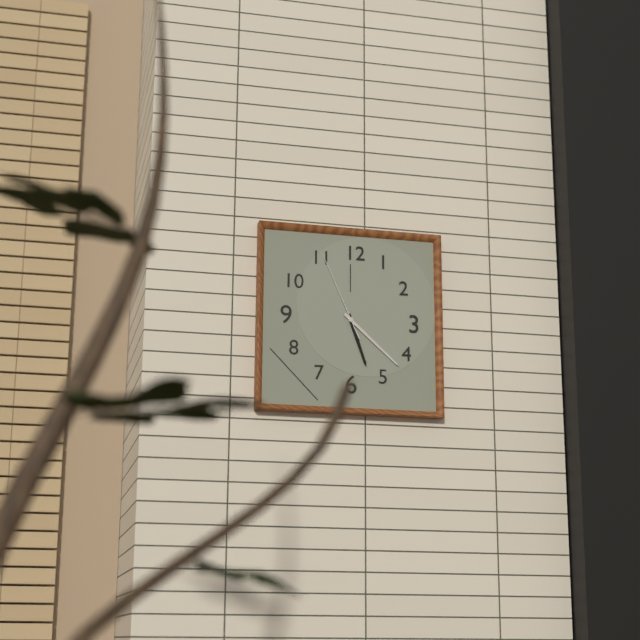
{"hour": 5, "minute": 22, "second": 56}
